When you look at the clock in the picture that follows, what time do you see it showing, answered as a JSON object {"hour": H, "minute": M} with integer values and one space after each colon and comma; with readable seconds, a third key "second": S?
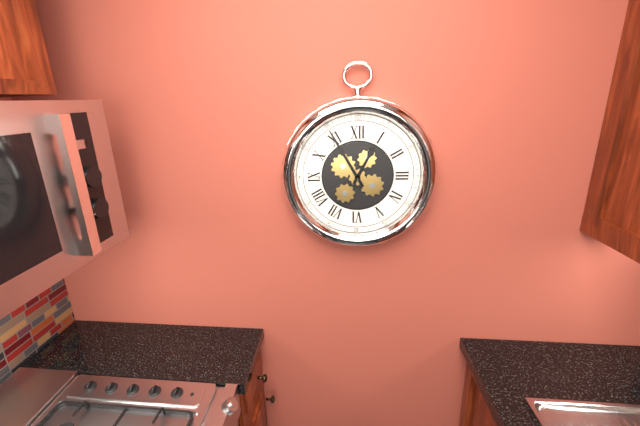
{"hour": 12, "minute": 55}
